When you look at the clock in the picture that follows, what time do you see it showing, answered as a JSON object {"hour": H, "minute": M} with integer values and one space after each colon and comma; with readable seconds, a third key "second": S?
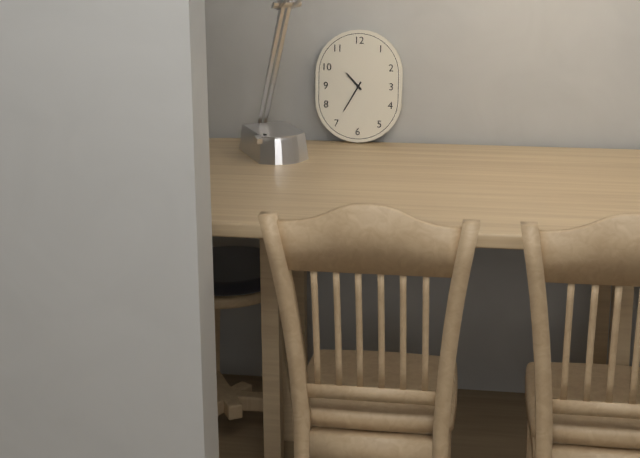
{"hour": 10, "minute": 35}
